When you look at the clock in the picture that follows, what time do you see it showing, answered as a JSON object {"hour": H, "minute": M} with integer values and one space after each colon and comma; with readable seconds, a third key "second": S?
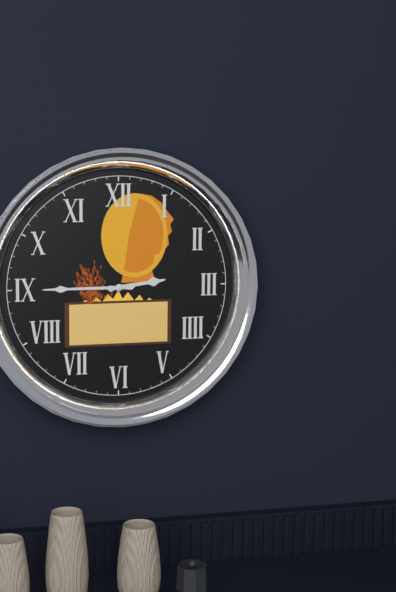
{"hour": 2, "minute": 45}
